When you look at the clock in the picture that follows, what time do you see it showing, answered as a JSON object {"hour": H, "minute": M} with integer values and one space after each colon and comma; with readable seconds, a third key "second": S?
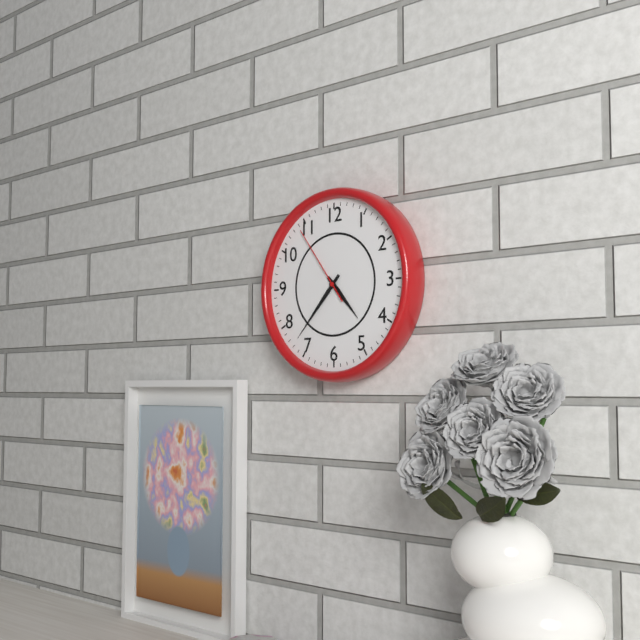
{"hour": 4, "minute": 37, "second": 54}
